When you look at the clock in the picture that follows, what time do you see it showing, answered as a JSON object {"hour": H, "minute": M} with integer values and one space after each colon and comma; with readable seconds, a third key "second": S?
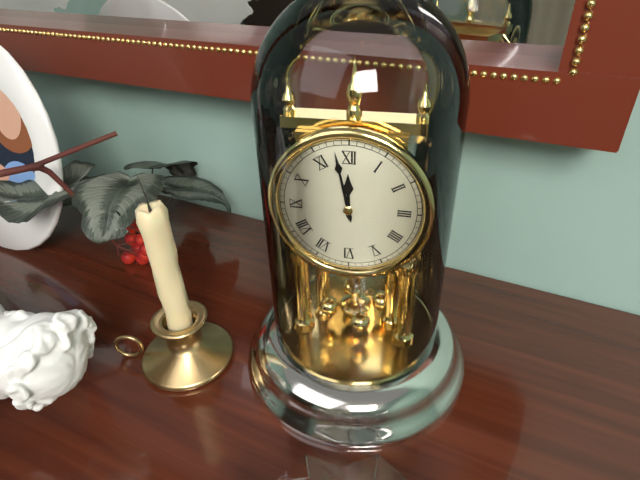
{"hour": 11, "minute": 58}
